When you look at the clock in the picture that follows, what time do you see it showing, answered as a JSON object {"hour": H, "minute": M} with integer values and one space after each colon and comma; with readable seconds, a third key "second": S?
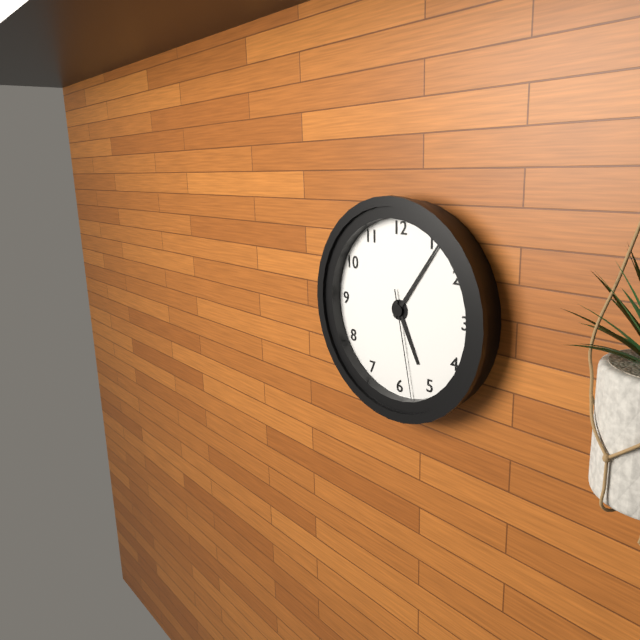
{"hour": 5, "minute": 6, "second": 28}
